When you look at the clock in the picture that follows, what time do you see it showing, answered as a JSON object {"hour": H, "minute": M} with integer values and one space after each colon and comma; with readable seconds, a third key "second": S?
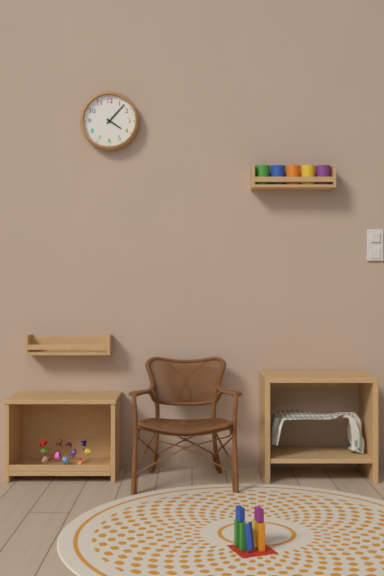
{"hour": 4, "minute": 7}
